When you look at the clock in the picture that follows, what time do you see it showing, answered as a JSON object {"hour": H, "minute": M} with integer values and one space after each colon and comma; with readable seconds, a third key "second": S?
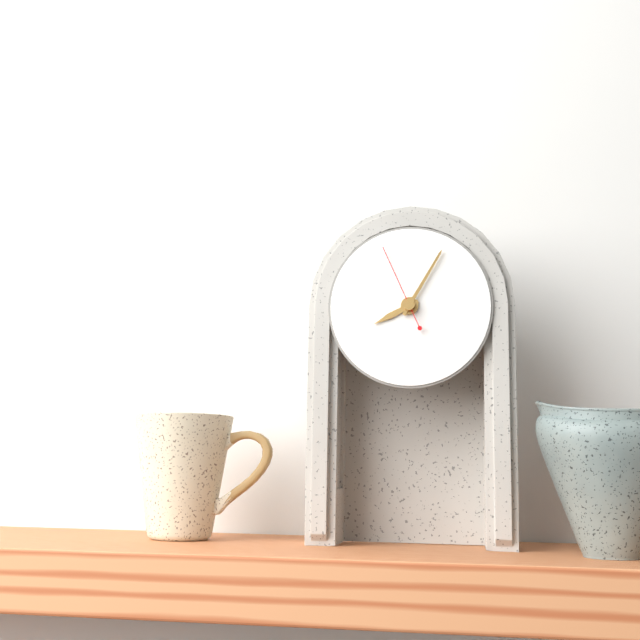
{"hour": 8, "minute": 5, "second": 56}
